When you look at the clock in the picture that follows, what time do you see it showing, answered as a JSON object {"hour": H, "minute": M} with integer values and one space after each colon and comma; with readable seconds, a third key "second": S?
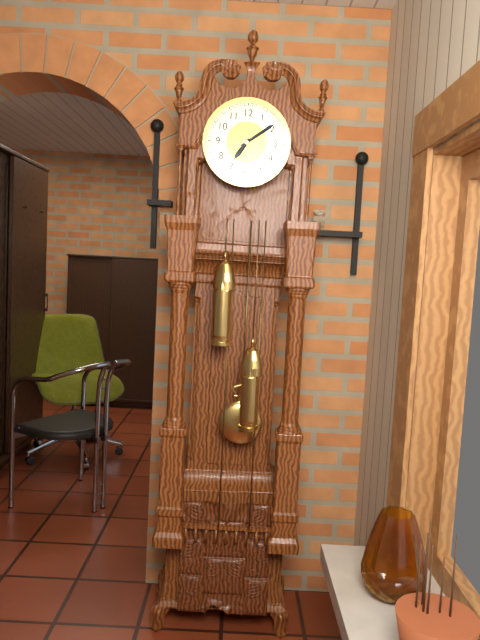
{"hour": 7, "minute": 9}
